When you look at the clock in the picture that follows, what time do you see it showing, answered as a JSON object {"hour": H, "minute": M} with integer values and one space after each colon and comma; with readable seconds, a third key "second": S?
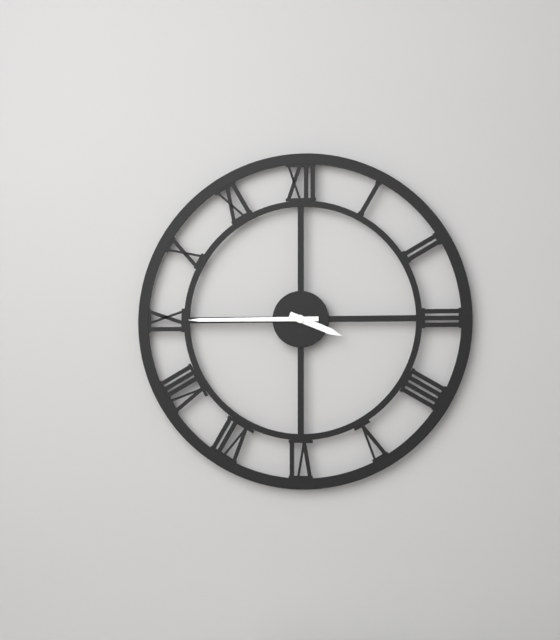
{"hour": 3, "minute": 45}
